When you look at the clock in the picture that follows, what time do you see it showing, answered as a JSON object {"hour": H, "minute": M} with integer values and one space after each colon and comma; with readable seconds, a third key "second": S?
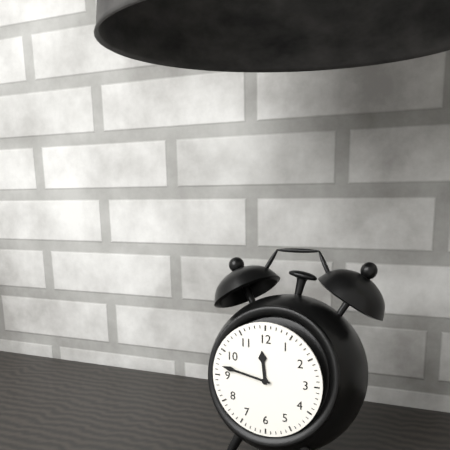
{"hour": 11, "minute": 47}
